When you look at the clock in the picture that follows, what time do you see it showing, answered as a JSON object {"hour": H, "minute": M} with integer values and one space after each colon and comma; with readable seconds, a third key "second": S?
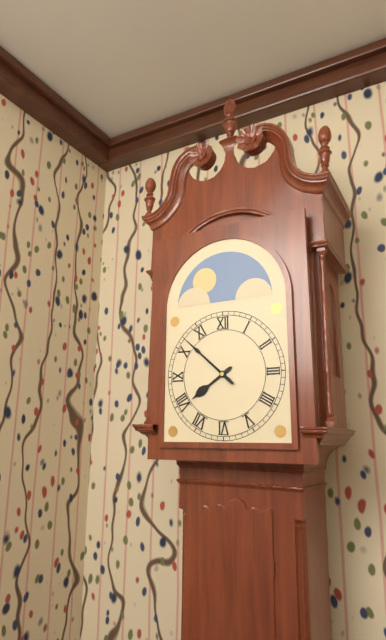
{"hour": 7, "minute": 52}
